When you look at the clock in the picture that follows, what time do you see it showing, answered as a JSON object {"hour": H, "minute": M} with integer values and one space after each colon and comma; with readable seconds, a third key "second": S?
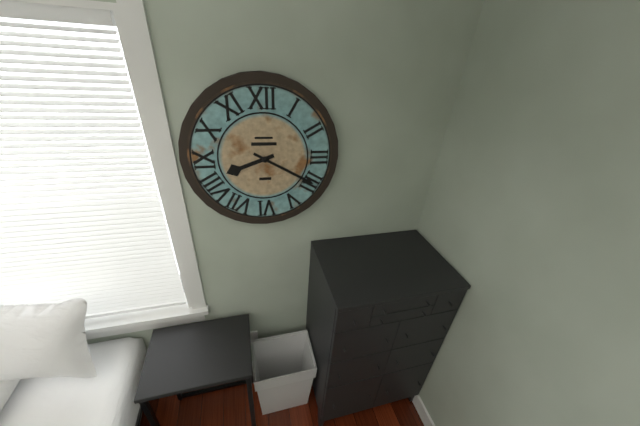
{"hour": 8, "minute": 20}
